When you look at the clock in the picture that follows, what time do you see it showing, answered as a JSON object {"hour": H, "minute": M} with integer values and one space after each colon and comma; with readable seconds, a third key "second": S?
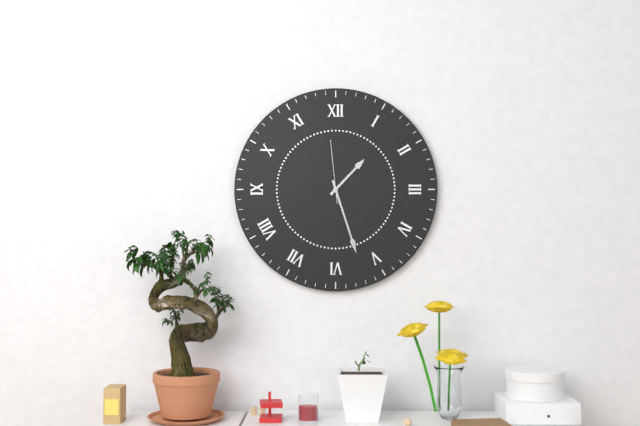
{"hour": 1, "minute": 27, "second": 59}
